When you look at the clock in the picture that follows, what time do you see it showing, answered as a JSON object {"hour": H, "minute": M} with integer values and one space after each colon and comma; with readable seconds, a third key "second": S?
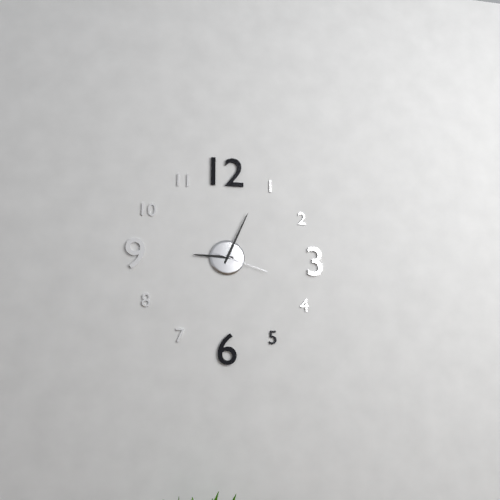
{"hour": 9, "minute": 4, "second": 18}
